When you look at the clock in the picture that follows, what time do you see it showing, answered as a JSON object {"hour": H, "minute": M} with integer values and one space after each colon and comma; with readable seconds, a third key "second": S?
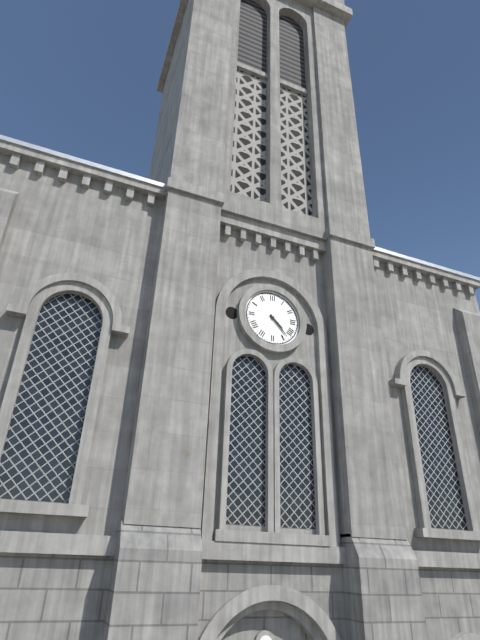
{"hour": 4, "minute": 23}
